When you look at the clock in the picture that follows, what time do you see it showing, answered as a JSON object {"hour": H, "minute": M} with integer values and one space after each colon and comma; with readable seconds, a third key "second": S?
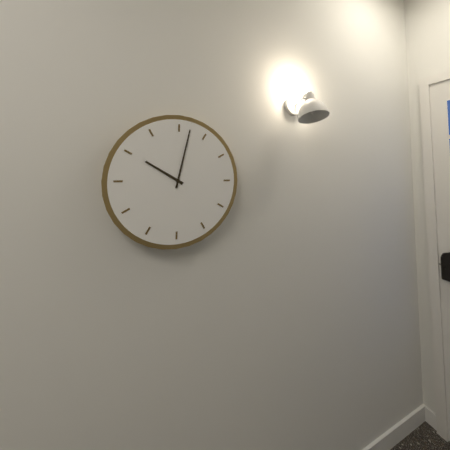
{"hour": 10, "minute": 2}
